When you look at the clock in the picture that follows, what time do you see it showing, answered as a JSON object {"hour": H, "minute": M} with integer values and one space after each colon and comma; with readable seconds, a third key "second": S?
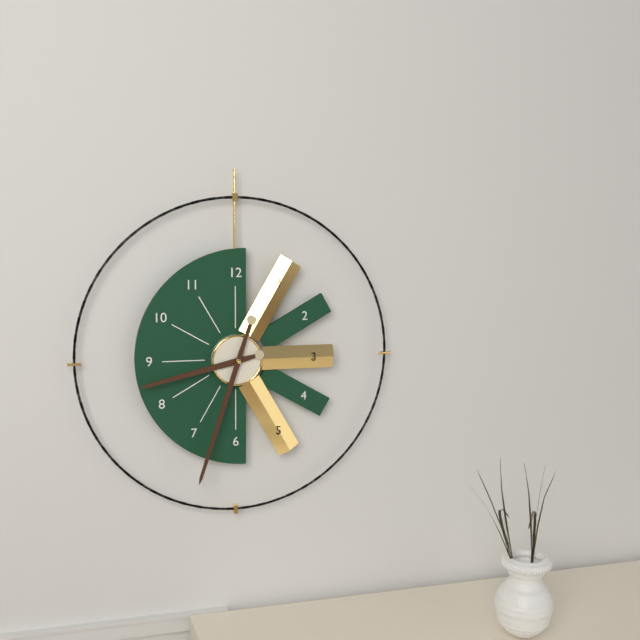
{"hour": 8, "minute": 33}
